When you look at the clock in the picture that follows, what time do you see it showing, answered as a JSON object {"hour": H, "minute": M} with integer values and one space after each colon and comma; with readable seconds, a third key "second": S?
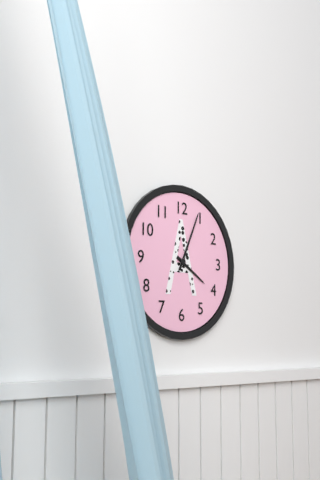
{"hour": 4, "minute": 4}
